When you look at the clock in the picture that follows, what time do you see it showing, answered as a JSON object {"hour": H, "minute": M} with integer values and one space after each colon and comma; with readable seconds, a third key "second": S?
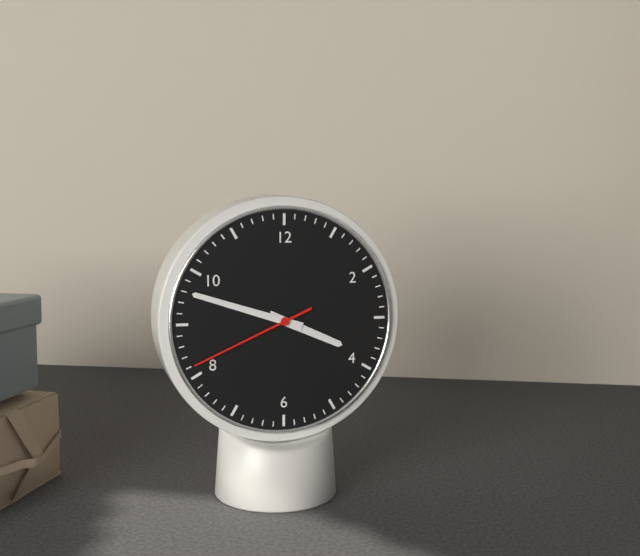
{"hour": 3, "minute": 48, "second": 41}
